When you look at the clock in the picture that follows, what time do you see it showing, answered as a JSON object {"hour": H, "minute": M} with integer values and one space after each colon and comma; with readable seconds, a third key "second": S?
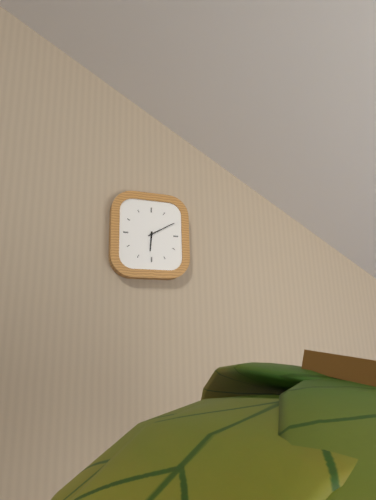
{"hour": 6, "minute": 10}
